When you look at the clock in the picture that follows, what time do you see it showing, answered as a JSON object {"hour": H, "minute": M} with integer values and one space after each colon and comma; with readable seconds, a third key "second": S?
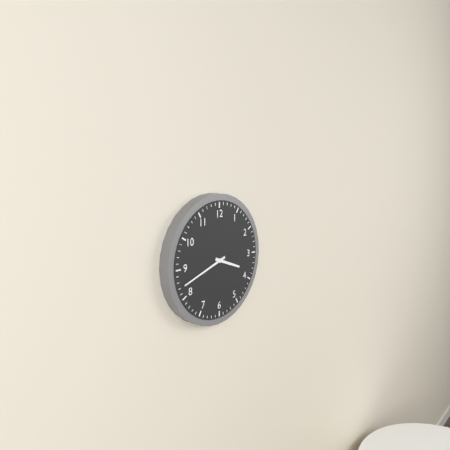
{"hour": 3, "minute": 42}
